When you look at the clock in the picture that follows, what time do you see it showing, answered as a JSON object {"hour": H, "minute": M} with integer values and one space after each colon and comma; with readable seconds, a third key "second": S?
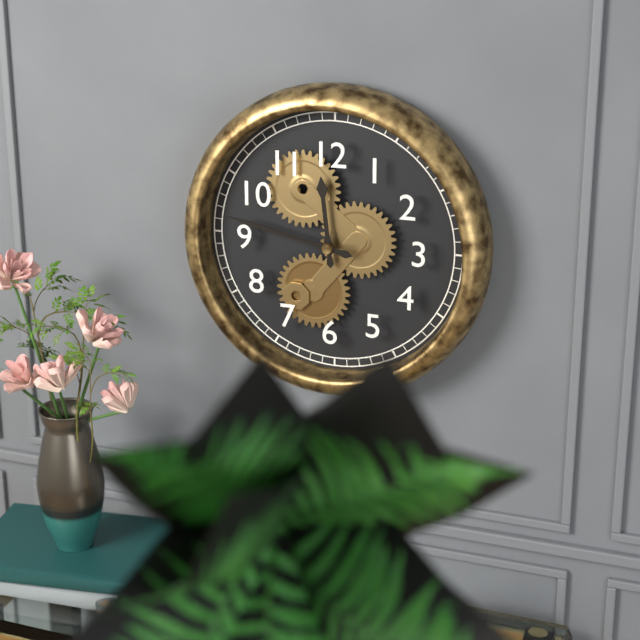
{"hour": 11, "minute": 47}
